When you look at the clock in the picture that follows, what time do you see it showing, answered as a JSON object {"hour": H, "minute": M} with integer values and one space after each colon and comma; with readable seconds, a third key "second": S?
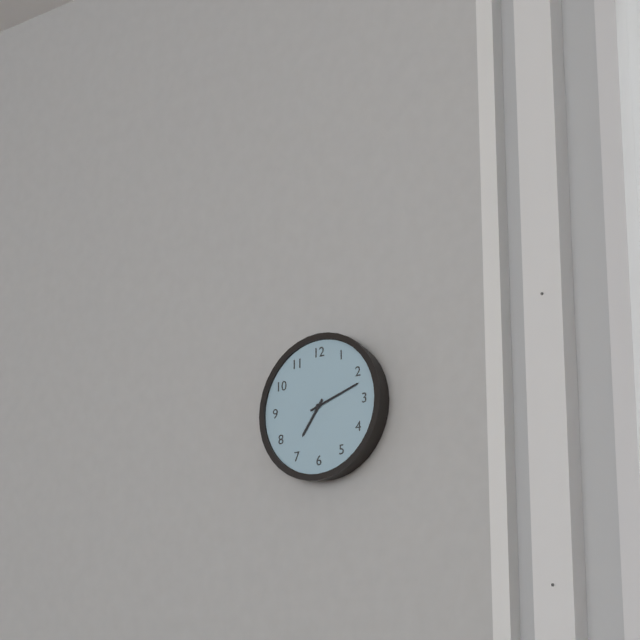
{"hour": 7, "minute": 12}
